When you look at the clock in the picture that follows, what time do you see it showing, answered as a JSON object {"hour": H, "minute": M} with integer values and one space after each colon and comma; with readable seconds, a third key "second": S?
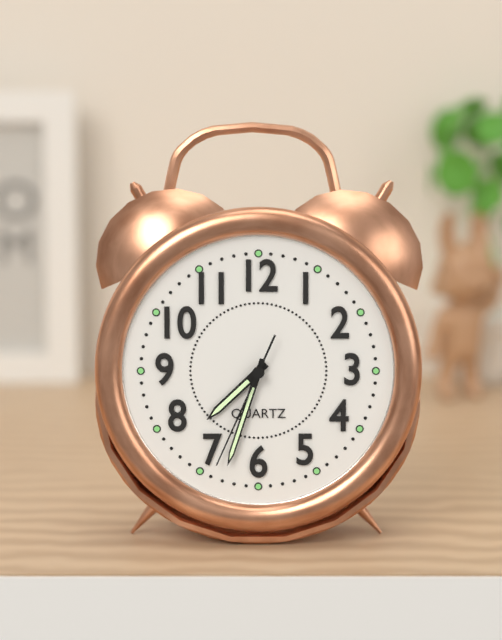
{"hour": 7, "minute": 33, "second": 34}
